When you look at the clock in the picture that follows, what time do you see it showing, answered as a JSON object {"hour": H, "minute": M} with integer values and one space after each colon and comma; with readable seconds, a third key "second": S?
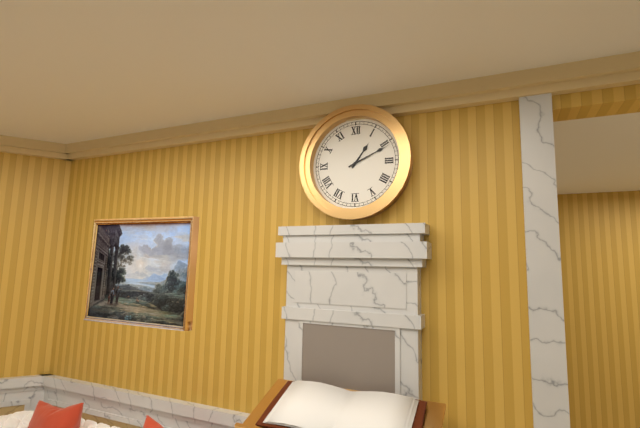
{"hour": 1, "minute": 11}
